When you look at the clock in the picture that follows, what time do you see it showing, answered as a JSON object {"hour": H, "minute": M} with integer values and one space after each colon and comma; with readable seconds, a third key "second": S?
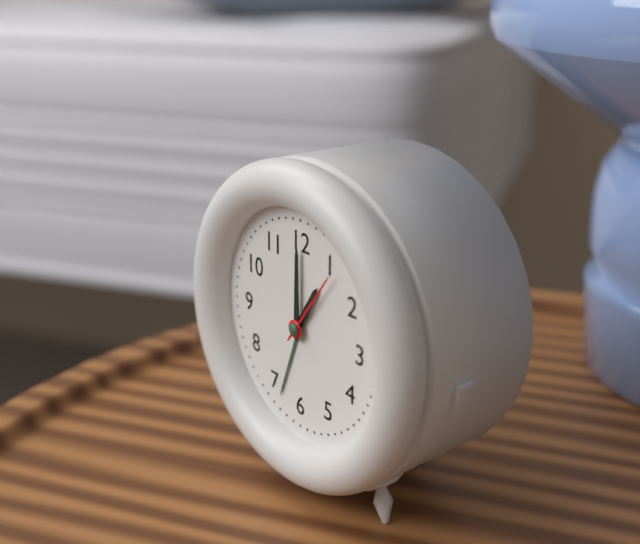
{"hour": 1, "minute": 0, "second": 6}
